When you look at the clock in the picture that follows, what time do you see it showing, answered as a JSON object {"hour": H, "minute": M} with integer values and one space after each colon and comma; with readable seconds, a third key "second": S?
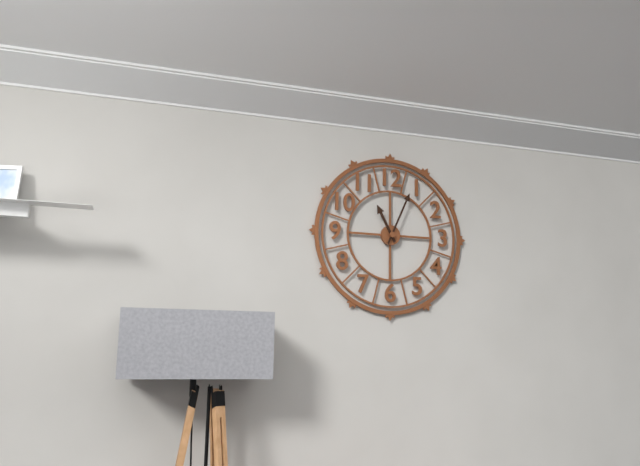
{"hour": 11, "minute": 4}
